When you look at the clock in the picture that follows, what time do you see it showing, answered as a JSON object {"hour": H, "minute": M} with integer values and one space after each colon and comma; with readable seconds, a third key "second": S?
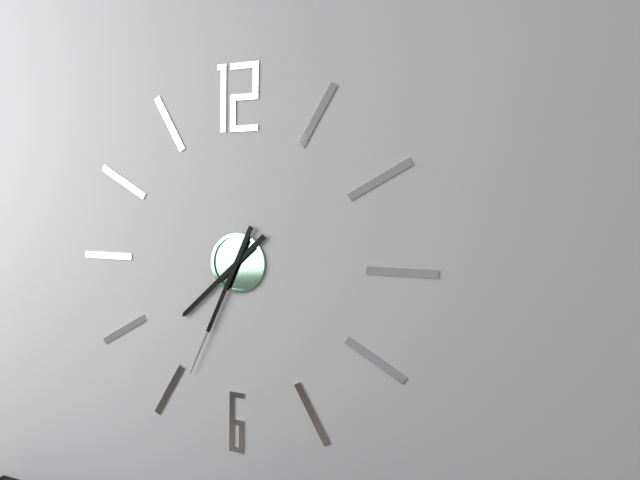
{"hour": 7, "minute": 34}
